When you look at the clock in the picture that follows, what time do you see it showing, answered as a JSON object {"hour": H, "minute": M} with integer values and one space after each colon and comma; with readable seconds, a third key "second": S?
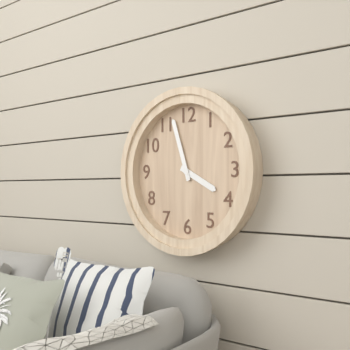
{"hour": 3, "minute": 57}
